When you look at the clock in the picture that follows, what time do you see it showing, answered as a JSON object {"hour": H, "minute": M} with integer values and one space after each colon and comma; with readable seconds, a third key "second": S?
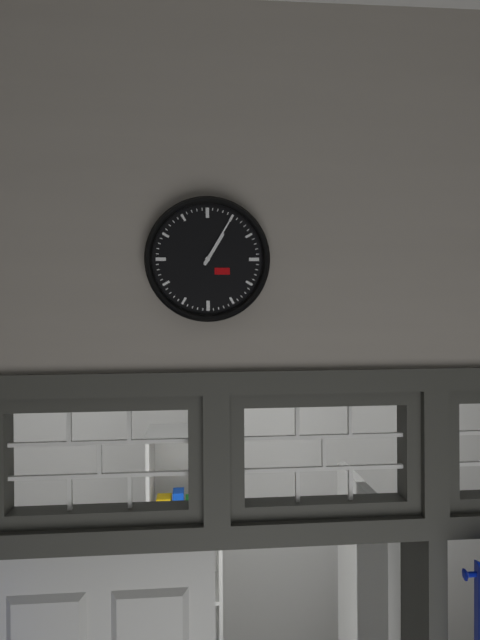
{"hour": 1, "minute": 5}
